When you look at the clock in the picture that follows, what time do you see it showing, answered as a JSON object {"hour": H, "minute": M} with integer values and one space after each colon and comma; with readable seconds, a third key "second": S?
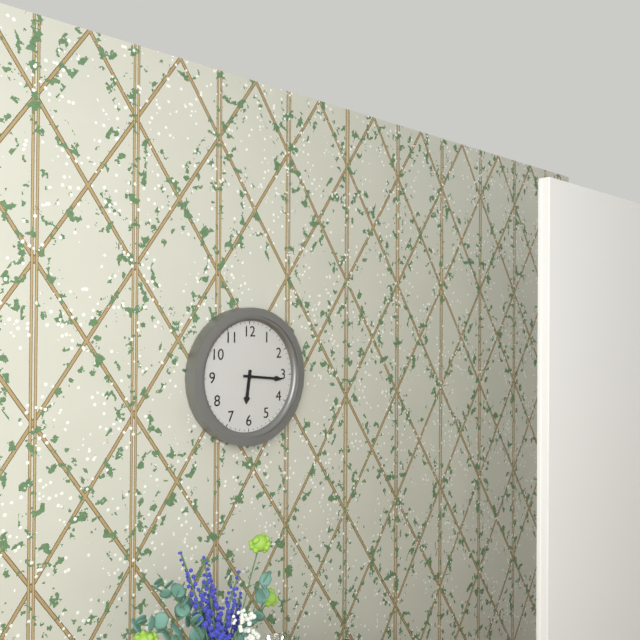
{"hour": 6, "minute": 16}
